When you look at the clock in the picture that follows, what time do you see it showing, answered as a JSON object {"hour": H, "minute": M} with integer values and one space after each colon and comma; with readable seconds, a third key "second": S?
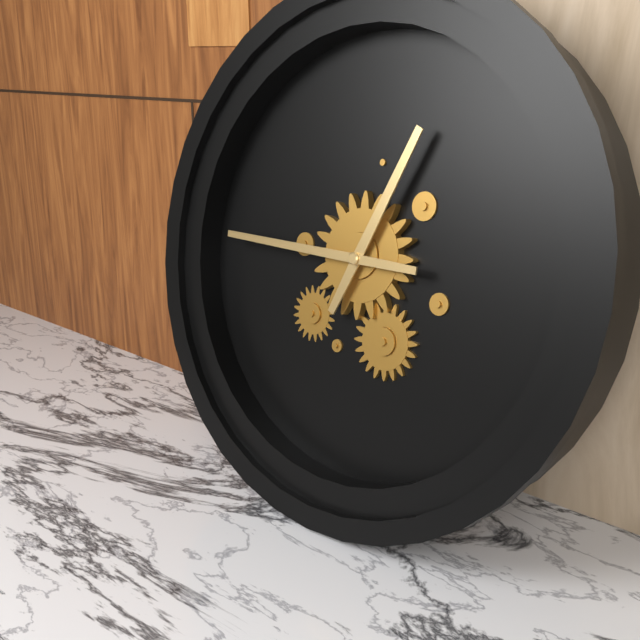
{"hour": 12, "minute": 45}
